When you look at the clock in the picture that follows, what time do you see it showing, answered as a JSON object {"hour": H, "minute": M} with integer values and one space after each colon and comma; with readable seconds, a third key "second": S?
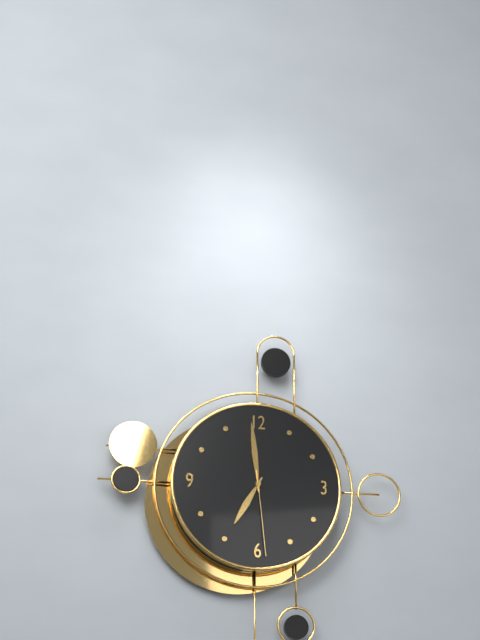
{"hour": 6, "minute": 59, "second": 29}
